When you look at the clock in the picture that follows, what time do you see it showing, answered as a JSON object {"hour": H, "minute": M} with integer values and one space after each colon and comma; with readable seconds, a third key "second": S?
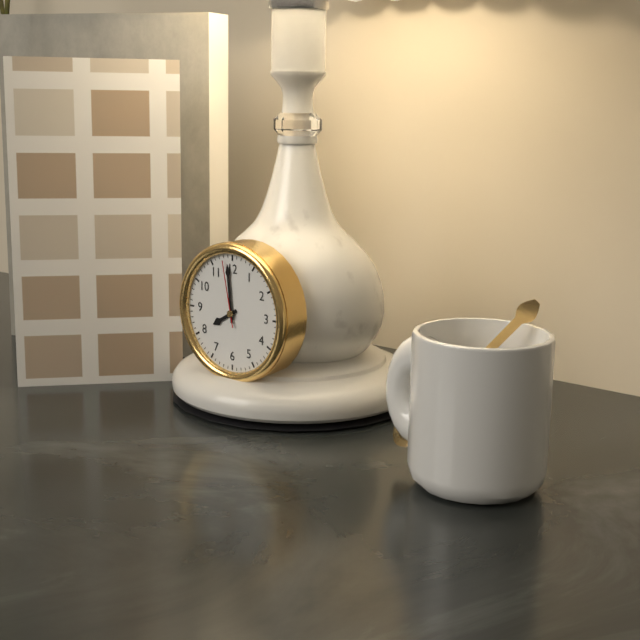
{"hour": 7, "minute": 59, "second": 58}
